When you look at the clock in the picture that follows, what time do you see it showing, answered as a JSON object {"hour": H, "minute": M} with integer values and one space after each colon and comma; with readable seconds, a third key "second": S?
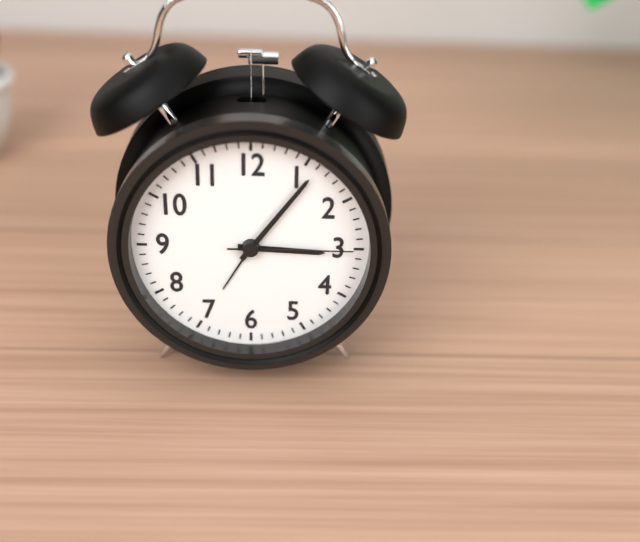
{"hour": 3, "minute": 6, "second": 15}
